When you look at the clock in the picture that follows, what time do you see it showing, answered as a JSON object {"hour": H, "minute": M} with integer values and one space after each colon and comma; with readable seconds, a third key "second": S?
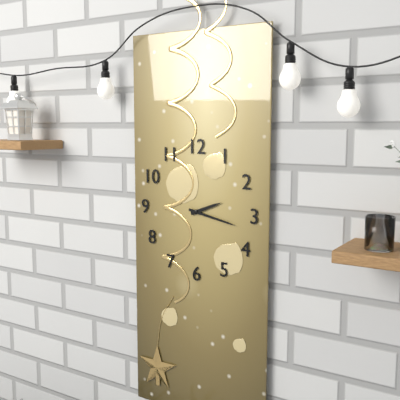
{"hour": 2, "minute": 17}
